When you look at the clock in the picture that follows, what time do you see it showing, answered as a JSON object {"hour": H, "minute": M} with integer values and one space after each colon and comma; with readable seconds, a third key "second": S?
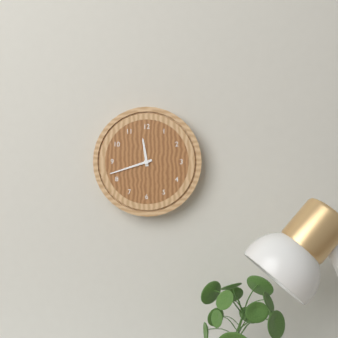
{"hour": 11, "minute": 42}
